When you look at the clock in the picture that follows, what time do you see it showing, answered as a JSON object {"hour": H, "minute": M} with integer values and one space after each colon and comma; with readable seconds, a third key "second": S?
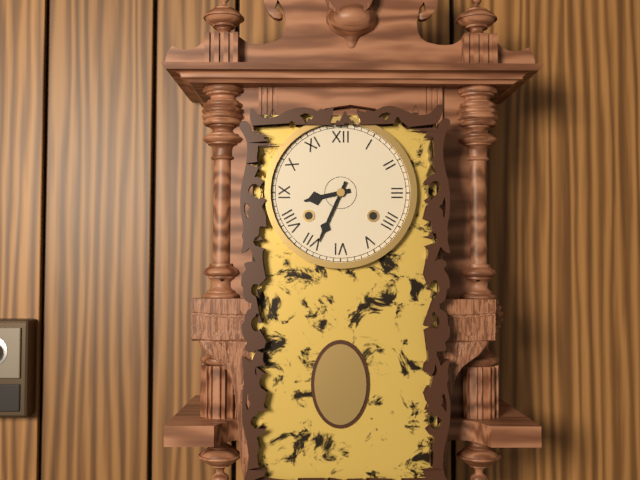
{"hour": 8, "minute": 34}
